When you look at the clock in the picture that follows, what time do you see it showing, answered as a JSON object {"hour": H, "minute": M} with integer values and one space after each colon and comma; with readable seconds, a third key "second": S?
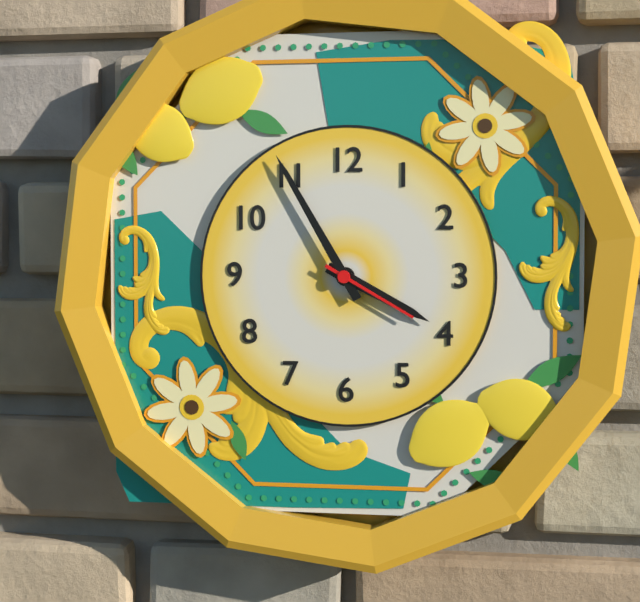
{"hour": 3, "minute": 55, "second": 20}
